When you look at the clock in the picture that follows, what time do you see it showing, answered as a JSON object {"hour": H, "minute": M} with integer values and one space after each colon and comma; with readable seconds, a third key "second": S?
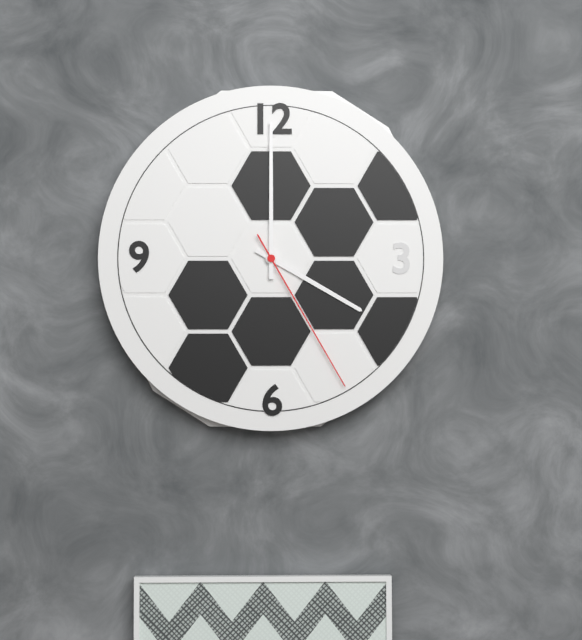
{"hour": 4, "minute": 0, "second": 25}
